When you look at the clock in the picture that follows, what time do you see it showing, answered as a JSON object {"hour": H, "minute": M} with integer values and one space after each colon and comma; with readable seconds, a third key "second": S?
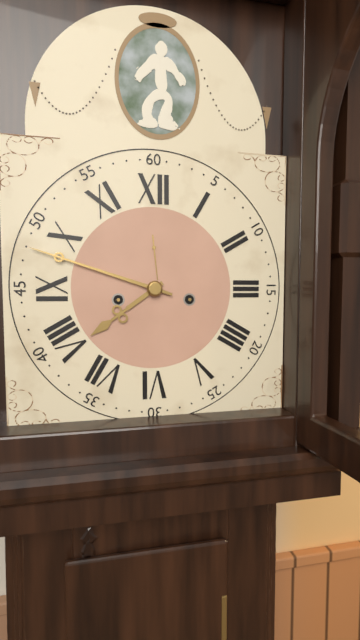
{"hour": 7, "minute": 48}
